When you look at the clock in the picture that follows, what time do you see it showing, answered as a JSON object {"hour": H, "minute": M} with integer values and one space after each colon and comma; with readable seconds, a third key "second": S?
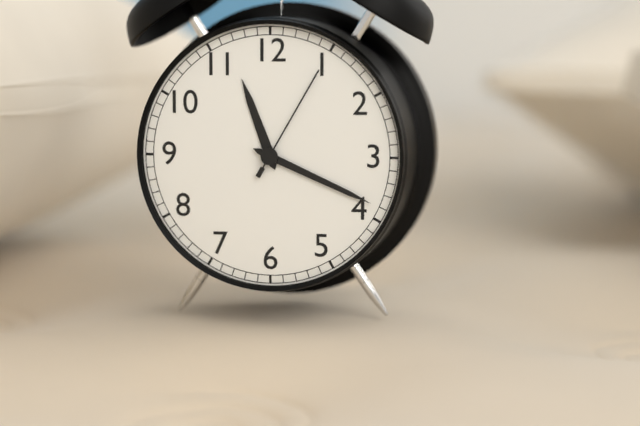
{"hour": 11, "minute": 19, "second": 5}
